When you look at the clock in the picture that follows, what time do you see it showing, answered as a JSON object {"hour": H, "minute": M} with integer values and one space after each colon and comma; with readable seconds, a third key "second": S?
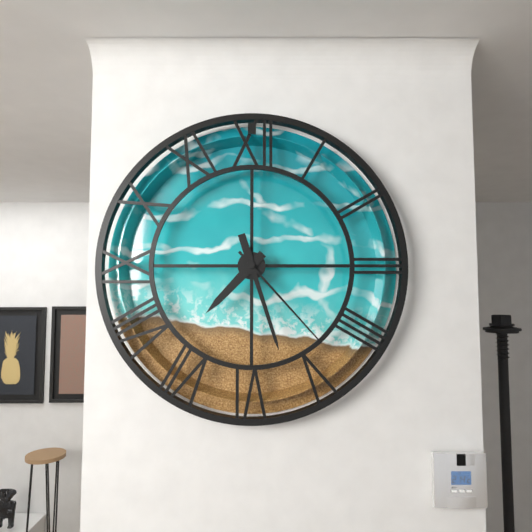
{"hour": 7, "minute": 27, "second": 23}
